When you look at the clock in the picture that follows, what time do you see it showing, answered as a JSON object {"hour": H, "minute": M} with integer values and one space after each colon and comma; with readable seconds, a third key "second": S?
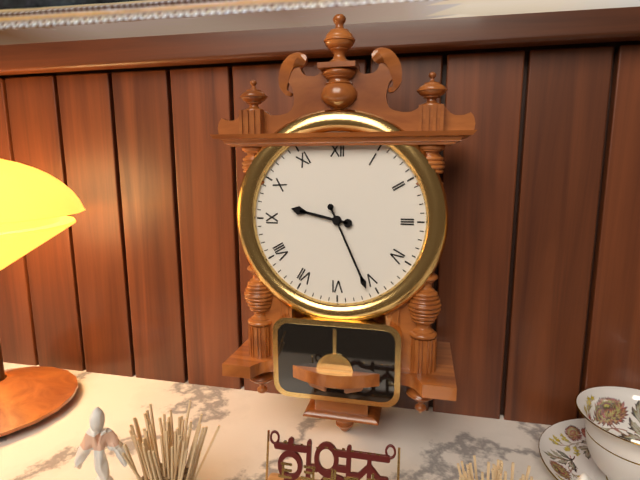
{"hour": 9, "minute": 26}
